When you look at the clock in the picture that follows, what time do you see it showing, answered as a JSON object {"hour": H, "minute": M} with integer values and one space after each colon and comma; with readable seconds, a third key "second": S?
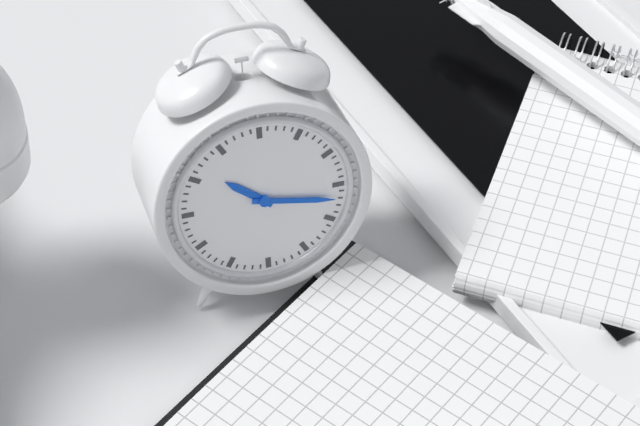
{"hour": 10, "minute": 17}
